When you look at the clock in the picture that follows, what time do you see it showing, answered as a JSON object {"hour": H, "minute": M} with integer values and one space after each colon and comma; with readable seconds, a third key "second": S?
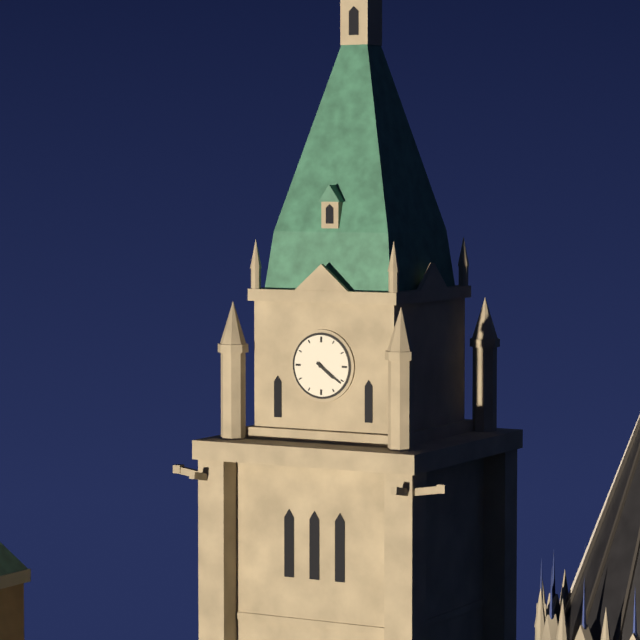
{"hour": 4, "minute": 21}
